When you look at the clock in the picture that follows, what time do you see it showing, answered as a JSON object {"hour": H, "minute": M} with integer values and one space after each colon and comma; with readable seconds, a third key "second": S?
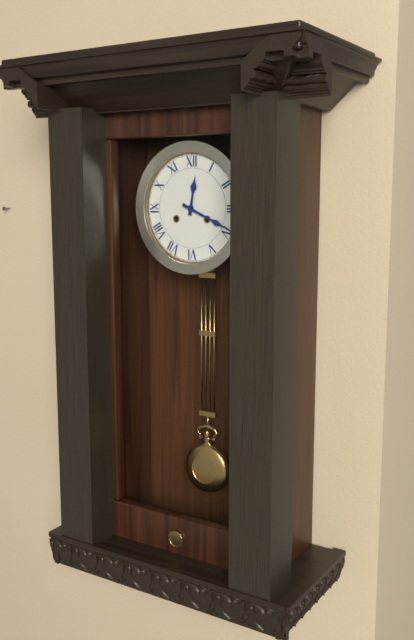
{"hour": 12, "minute": 19}
